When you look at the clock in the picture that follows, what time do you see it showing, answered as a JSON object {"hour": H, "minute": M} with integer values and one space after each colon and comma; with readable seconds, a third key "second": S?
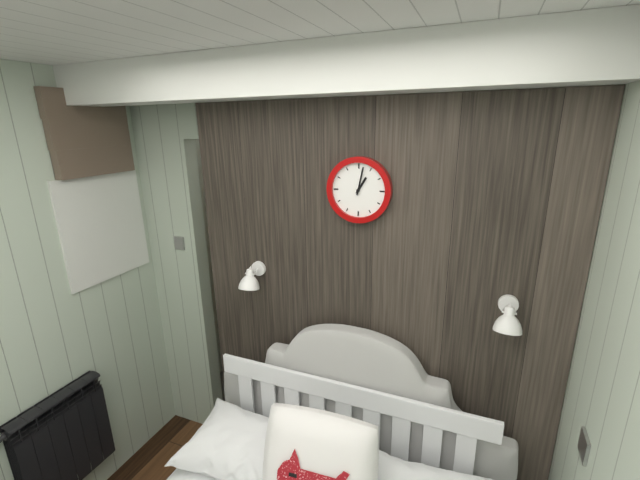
{"hour": 1, "minute": 2}
